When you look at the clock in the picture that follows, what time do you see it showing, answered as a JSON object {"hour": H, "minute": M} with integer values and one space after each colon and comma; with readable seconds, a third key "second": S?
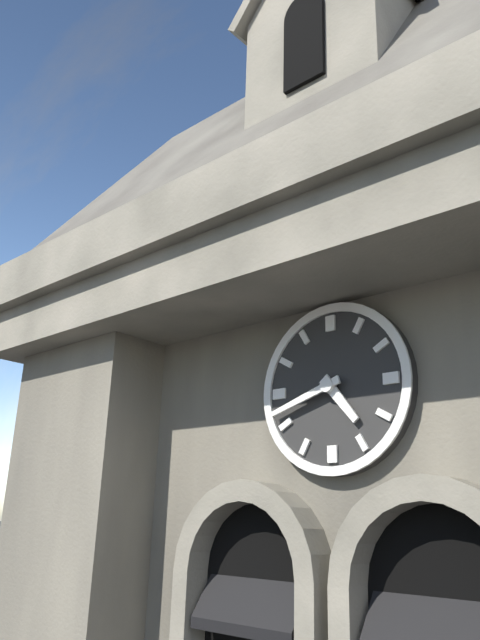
{"hour": 4, "minute": 42}
